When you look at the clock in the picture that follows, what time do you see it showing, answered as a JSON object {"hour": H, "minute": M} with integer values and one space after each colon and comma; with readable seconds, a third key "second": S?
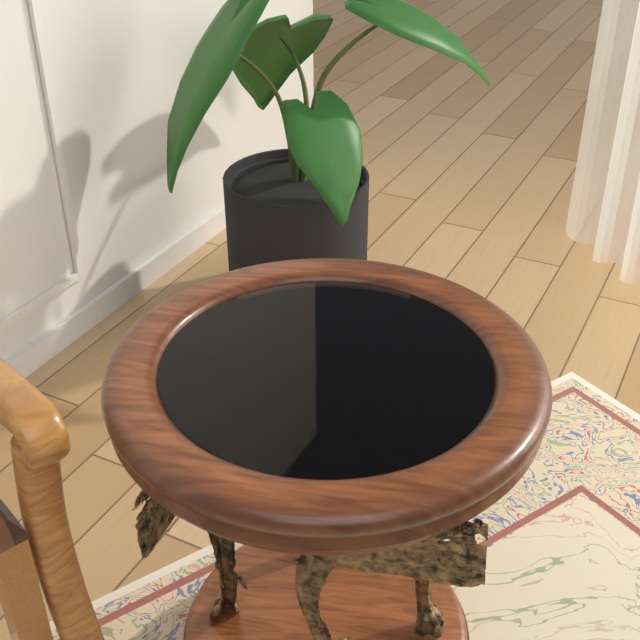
{"hour": 12, "minute": 19}
